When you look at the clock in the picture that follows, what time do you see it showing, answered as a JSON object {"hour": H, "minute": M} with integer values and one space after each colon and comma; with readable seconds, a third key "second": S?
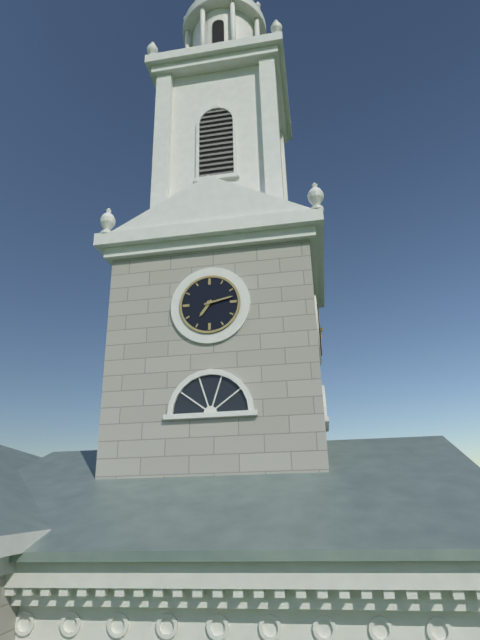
{"hour": 7, "minute": 13}
